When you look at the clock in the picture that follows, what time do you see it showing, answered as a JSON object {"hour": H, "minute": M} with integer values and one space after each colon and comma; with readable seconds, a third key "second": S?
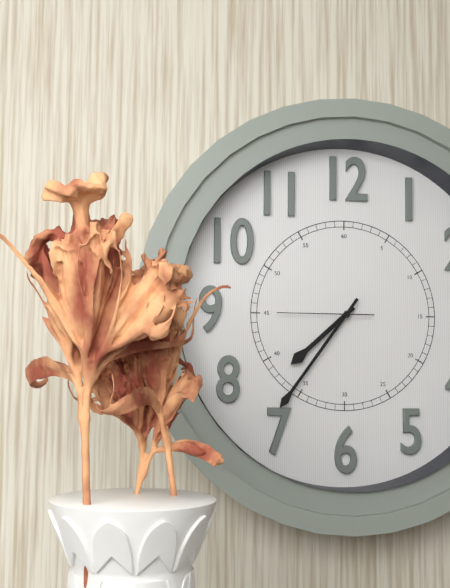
{"hour": 7, "minute": 36, "second": 45}
